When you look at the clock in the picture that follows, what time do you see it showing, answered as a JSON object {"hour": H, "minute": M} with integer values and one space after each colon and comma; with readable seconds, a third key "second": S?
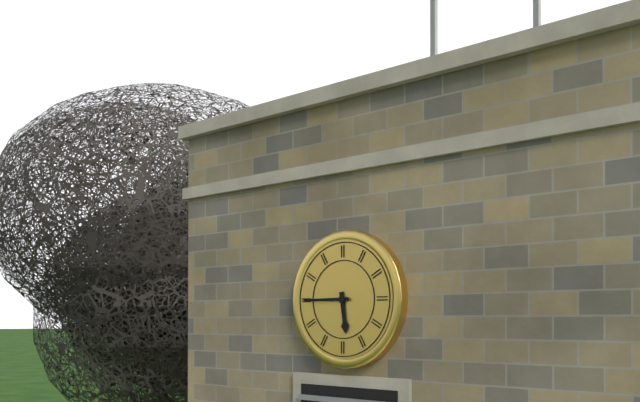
{"hour": 5, "minute": 45}
